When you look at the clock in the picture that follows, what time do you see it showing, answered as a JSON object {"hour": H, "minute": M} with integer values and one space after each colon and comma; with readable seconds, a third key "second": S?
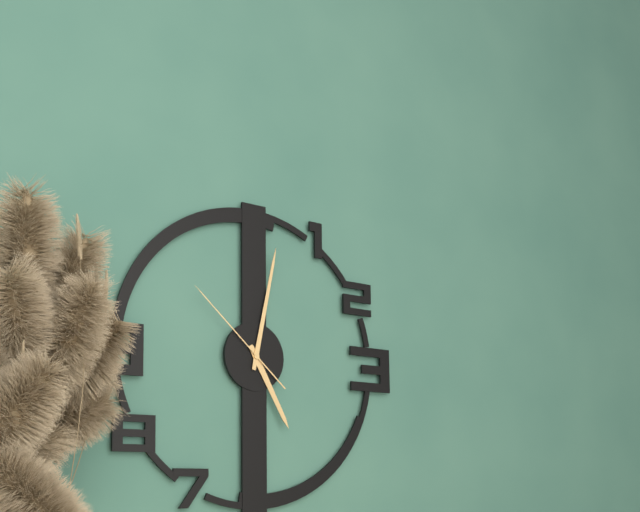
{"hour": 5, "minute": 2, "second": 52}
